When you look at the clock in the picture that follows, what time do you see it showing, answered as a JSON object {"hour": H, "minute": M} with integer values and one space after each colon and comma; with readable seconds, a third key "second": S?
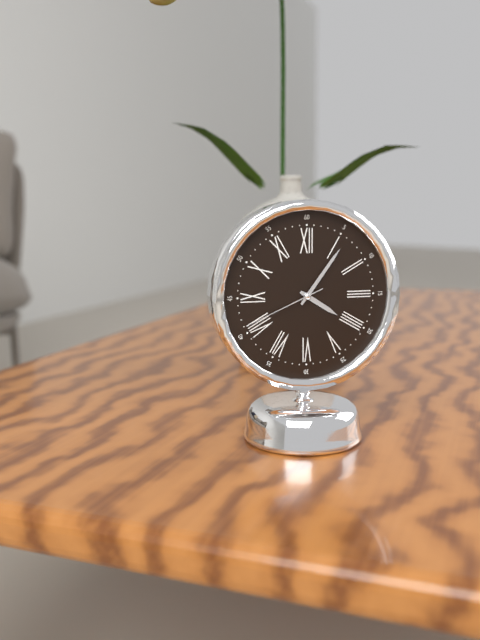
{"hour": 4, "minute": 6, "second": 41}
